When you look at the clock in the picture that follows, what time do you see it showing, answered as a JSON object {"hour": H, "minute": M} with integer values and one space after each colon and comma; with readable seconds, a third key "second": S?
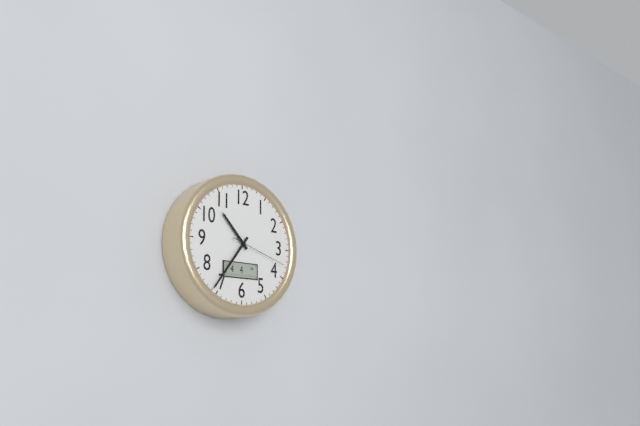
{"hour": 10, "minute": 36, "second": 18}
